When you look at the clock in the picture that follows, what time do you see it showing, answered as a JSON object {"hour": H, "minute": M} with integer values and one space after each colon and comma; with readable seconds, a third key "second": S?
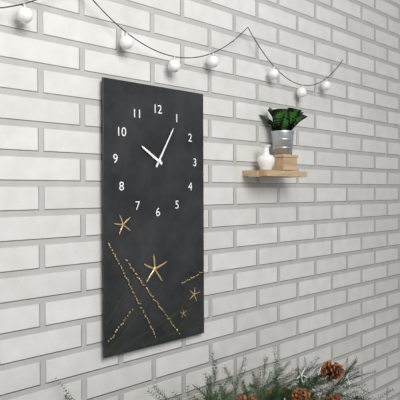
{"hour": 10, "minute": 5}
